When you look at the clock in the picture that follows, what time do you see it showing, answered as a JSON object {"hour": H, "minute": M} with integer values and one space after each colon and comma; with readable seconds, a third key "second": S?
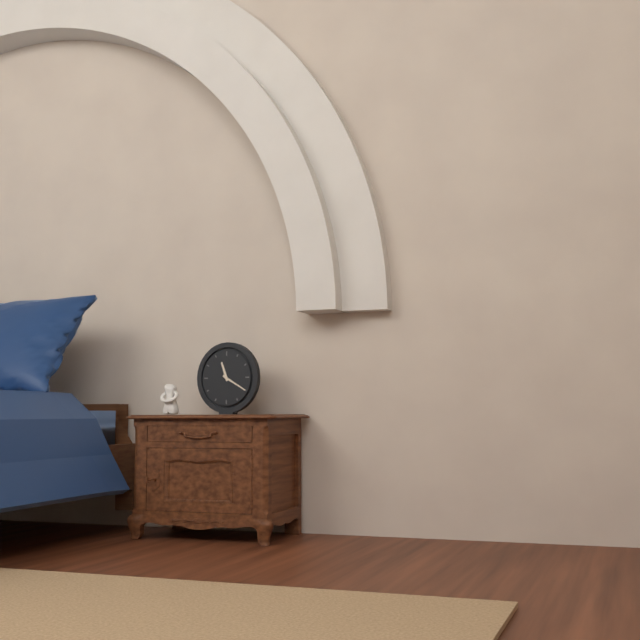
{"hour": 11, "minute": 20}
